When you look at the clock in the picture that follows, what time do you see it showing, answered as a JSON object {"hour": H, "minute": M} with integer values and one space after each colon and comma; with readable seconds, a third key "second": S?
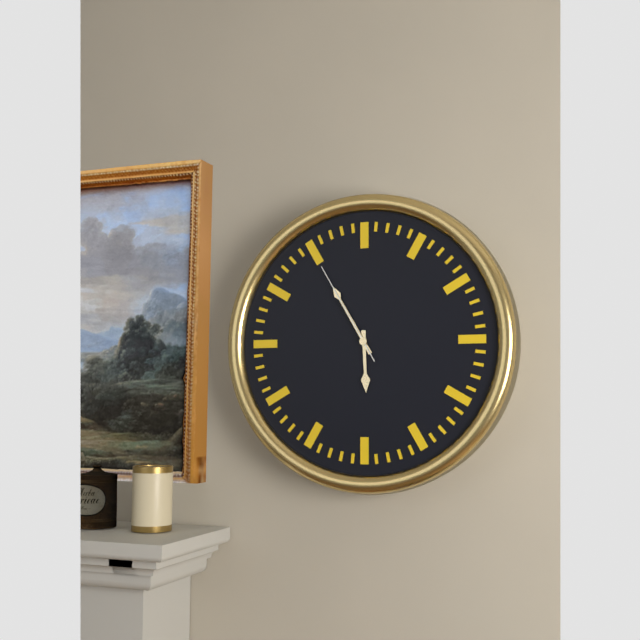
{"hour": 5, "minute": 55, "second": 55}
